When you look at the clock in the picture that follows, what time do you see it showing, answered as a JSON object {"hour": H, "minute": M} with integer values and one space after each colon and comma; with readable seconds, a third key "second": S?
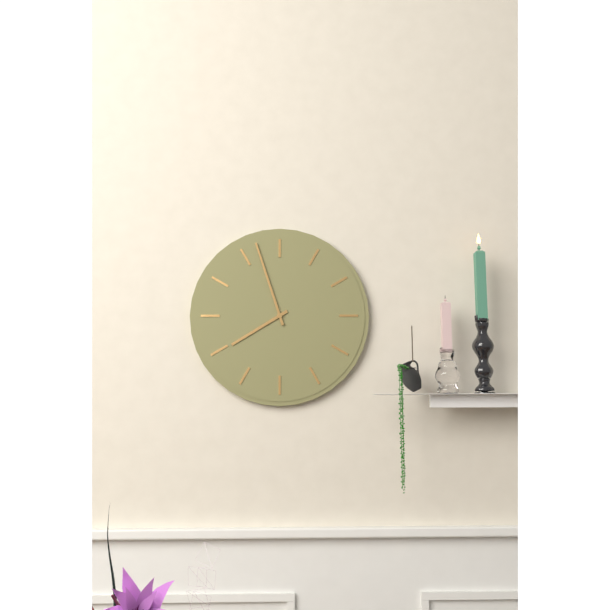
{"hour": 7, "minute": 57}
